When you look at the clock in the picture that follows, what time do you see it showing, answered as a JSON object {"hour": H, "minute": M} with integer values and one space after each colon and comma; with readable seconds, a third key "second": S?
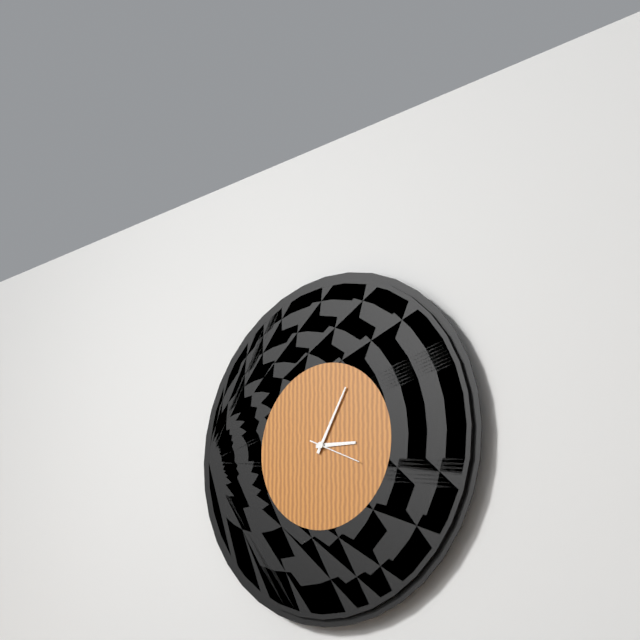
{"hour": 3, "minute": 5, "second": 19}
